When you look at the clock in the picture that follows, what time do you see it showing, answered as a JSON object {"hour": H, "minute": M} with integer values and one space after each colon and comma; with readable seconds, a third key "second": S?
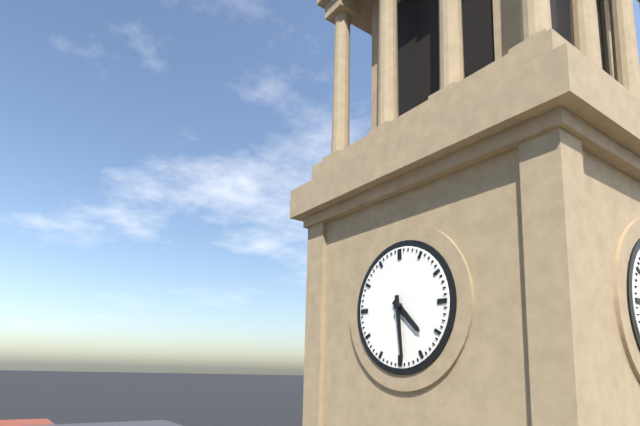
{"hour": 4, "minute": 29}
